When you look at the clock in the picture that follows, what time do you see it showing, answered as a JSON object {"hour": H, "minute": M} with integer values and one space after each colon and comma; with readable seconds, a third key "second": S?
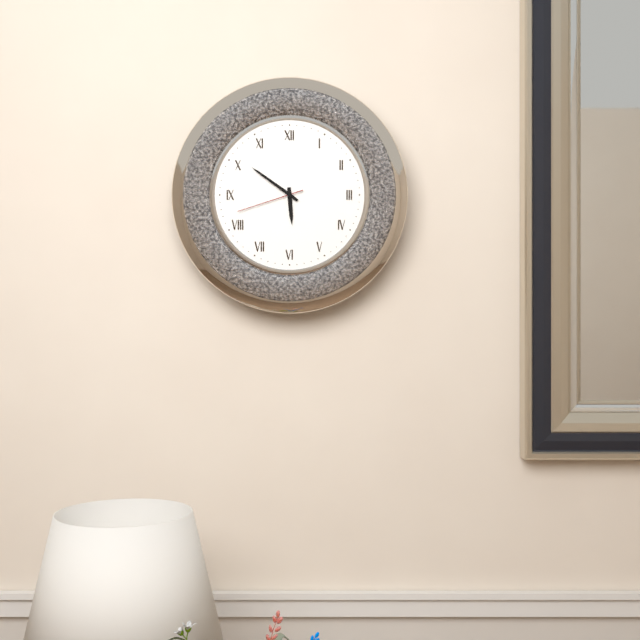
{"hour": 5, "minute": 51, "second": 42}
